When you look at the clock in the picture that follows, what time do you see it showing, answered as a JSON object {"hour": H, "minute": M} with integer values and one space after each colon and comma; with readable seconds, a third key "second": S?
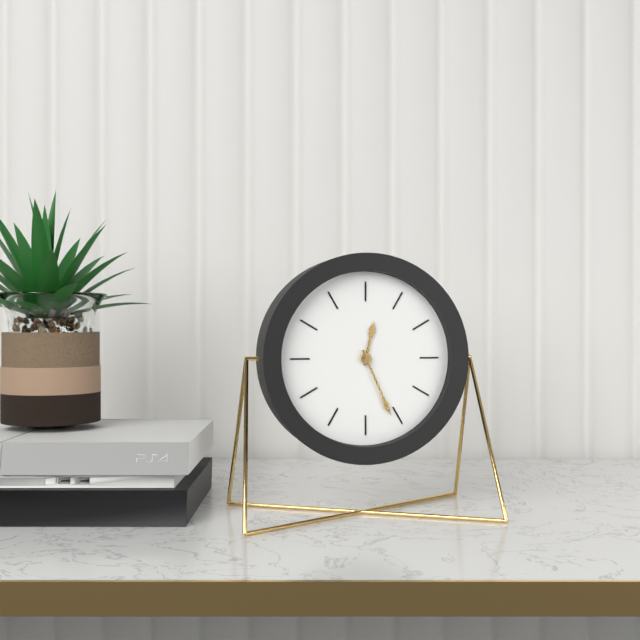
{"hour": 12, "minute": 26}
